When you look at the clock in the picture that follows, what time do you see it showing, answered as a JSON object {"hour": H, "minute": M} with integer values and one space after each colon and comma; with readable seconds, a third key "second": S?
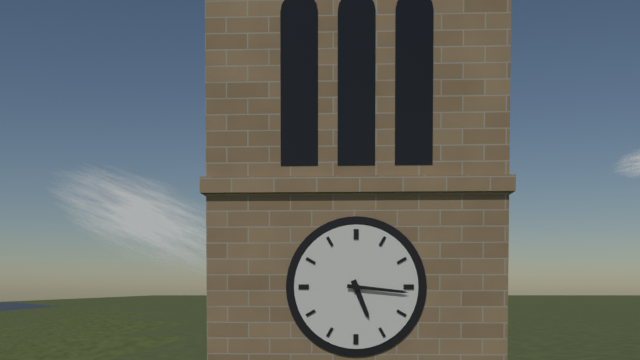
{"hour": 5, "minute": 16}
